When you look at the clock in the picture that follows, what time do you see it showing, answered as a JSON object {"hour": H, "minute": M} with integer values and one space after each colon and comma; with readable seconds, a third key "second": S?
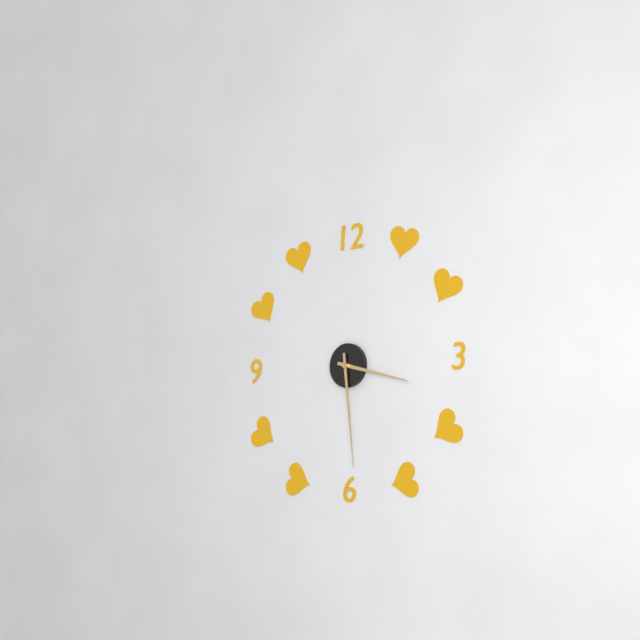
{"hour": 3, "minute": 29}
